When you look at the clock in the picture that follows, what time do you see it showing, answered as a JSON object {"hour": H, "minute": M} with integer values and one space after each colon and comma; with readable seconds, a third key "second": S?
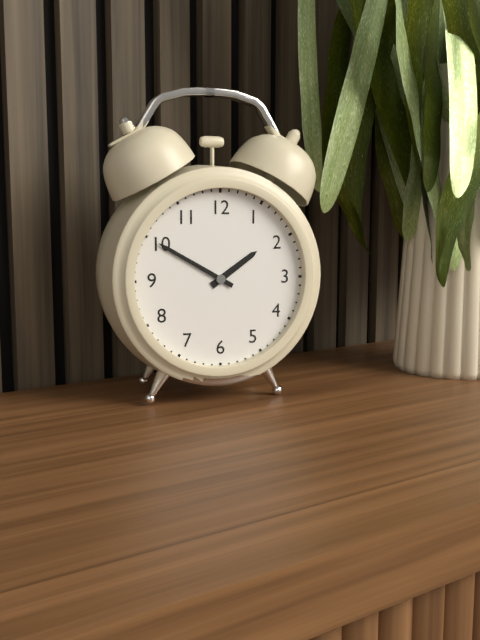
{"hour": 1, "minute": 50}
